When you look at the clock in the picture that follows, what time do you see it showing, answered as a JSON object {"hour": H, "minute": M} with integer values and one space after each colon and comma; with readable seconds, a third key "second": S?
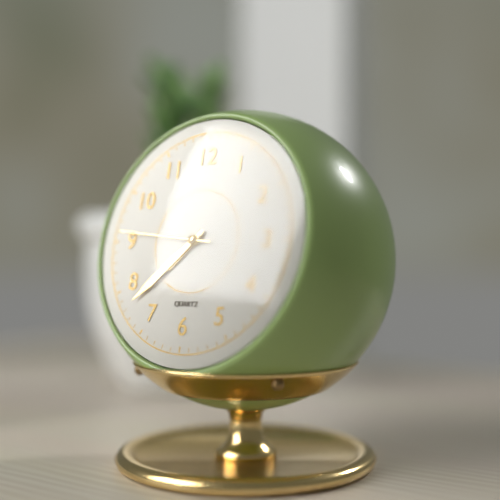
{"hour": 7, "minute": 38, "second": 46}
